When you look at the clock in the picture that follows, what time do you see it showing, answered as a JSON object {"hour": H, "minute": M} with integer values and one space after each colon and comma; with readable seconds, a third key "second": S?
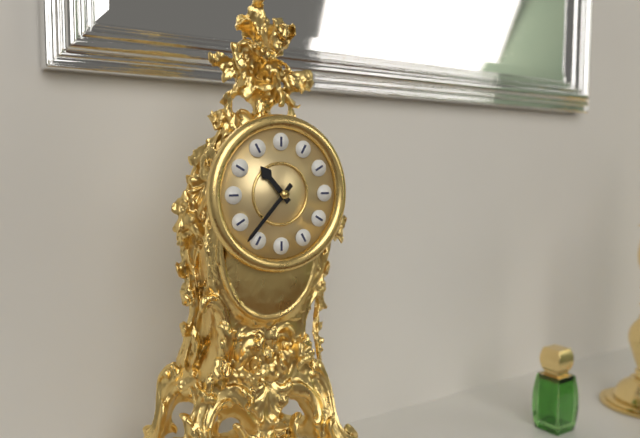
{"hour": 10, "minute": 37}
